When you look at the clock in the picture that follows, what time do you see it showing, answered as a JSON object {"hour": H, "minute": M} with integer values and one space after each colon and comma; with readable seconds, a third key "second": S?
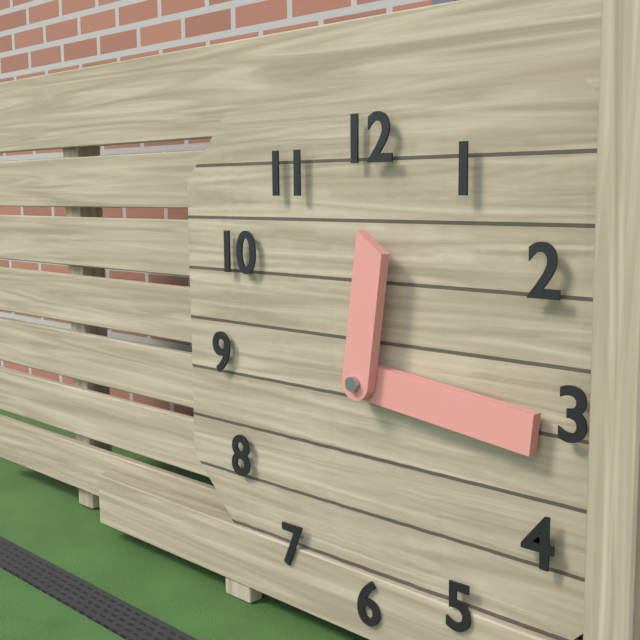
{"hour": 12, "minute": 16}
